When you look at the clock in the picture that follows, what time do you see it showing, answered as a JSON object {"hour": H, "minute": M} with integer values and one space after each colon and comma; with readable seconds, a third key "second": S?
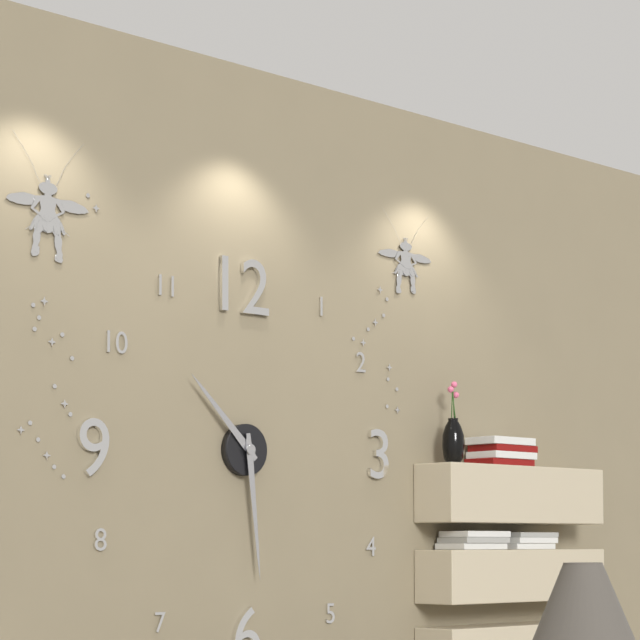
{"hour": 10, "minute": 29}
